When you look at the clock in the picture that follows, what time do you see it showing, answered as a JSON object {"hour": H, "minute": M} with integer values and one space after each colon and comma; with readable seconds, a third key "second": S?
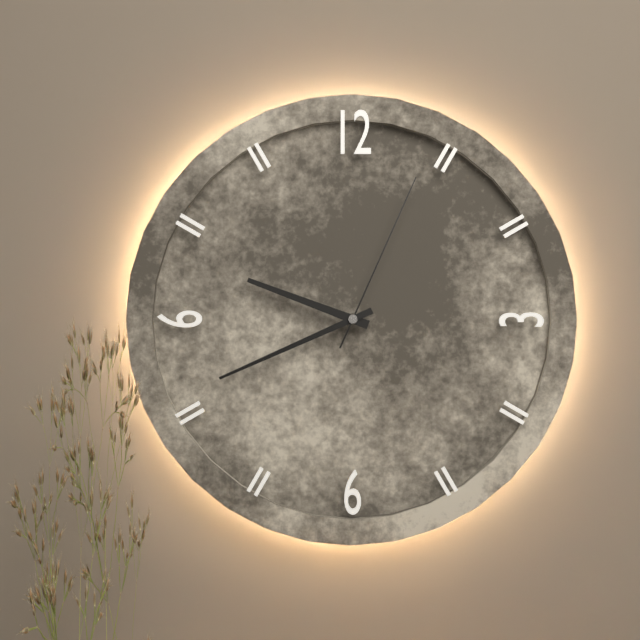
{"hour": 9, "minute": 41, "second": 4}
